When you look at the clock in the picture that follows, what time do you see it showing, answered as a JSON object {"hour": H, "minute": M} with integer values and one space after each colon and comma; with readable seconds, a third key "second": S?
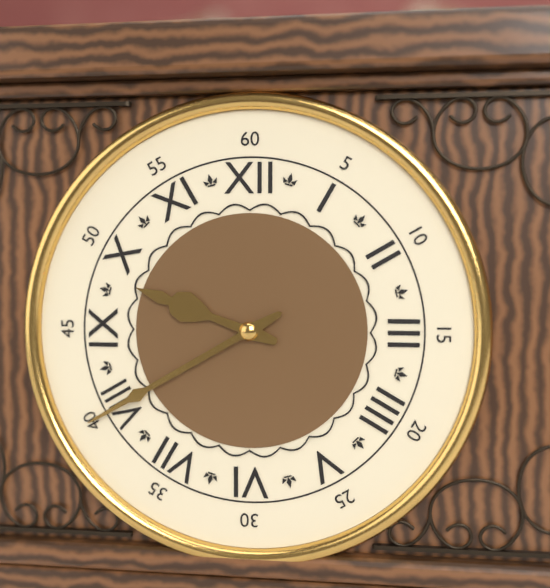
{"hour": 9, "minute": 40}
